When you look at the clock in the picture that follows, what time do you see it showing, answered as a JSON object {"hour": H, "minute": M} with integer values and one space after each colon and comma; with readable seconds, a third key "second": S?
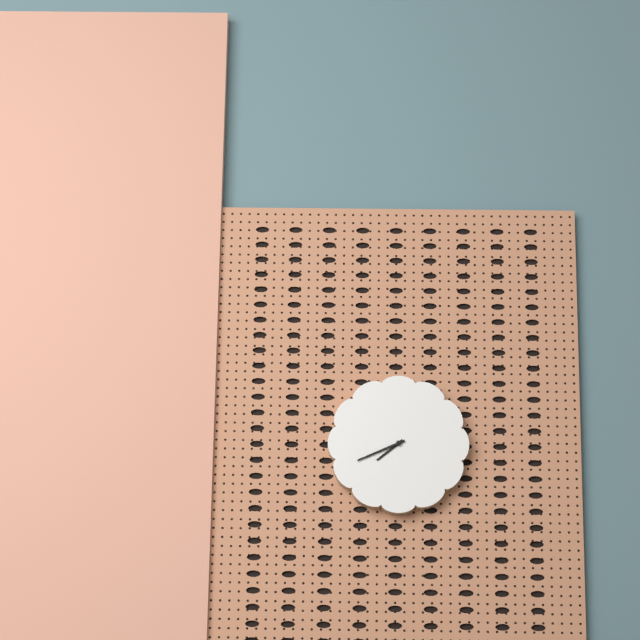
{"hour": 7, "minute": 41}
